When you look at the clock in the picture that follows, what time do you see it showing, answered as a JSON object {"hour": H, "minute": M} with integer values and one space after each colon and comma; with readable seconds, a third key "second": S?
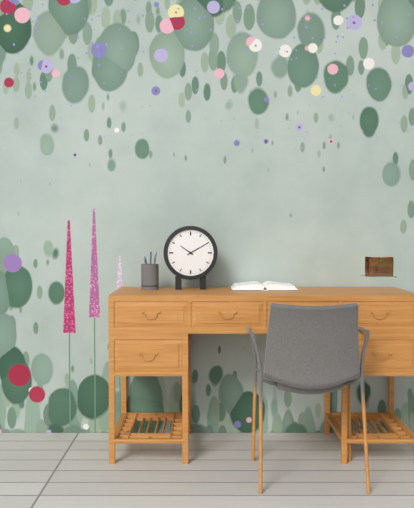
{"hour": 10, "minute": 10}
